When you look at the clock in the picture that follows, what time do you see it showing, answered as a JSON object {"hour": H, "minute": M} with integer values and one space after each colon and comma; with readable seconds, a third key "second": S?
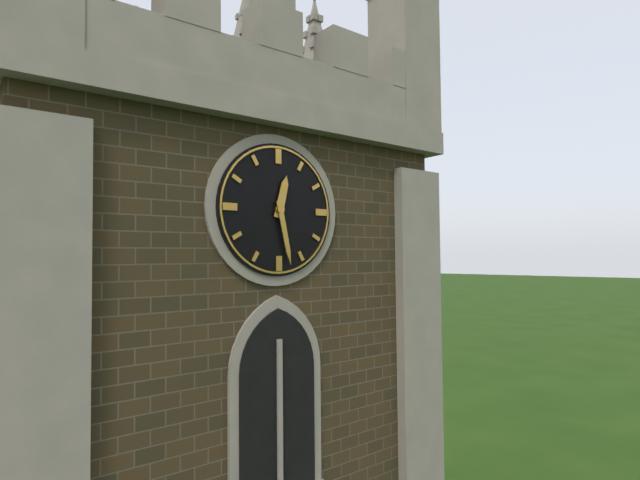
{"hour": 12, "minute": 28}
